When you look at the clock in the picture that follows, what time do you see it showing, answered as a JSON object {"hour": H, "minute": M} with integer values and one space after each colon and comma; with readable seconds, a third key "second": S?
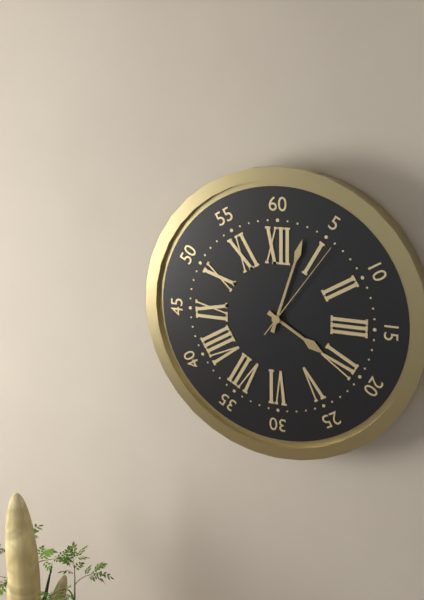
{"hour": 4, "minute": 3, "second": 6}
